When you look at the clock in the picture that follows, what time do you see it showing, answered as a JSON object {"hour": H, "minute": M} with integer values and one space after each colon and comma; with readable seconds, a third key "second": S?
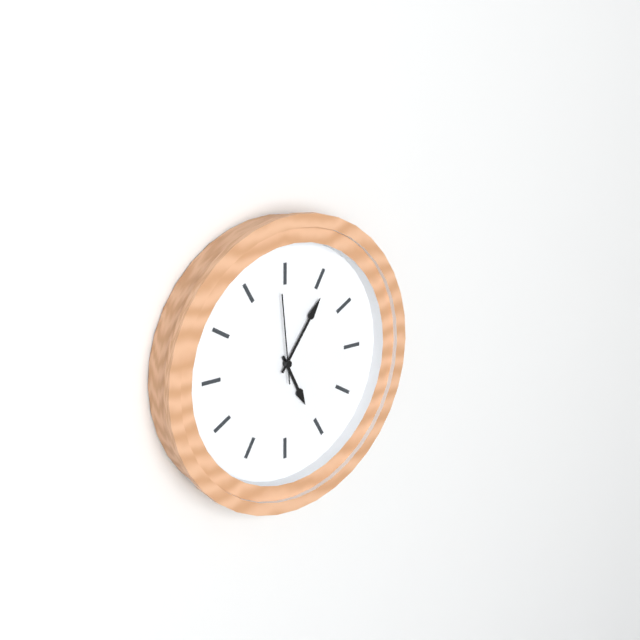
{"hour": 5, "minute": 6, "second": 59}
